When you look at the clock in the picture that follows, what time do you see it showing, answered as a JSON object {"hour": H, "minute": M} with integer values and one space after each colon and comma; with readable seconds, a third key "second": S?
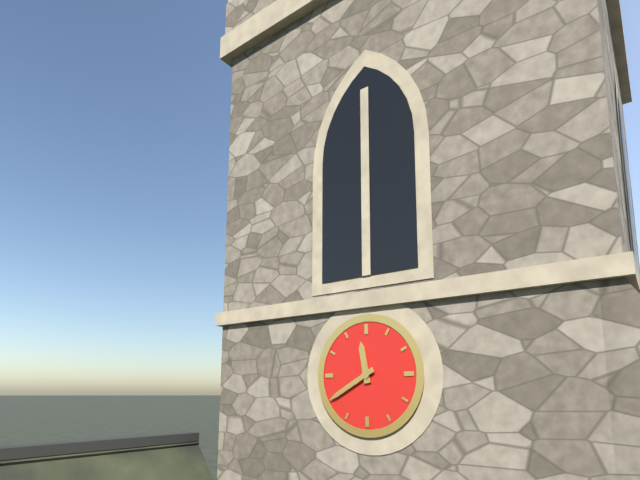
{"hour": 11, "minute": 40}
